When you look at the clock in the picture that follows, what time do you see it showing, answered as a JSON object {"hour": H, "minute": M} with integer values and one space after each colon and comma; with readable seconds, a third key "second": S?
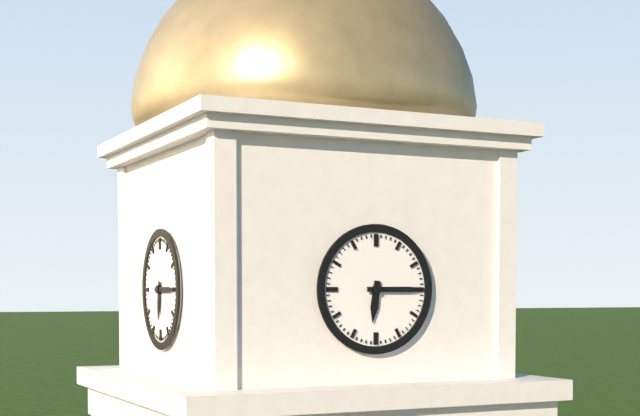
{"hour": 6, "minute": 15}
